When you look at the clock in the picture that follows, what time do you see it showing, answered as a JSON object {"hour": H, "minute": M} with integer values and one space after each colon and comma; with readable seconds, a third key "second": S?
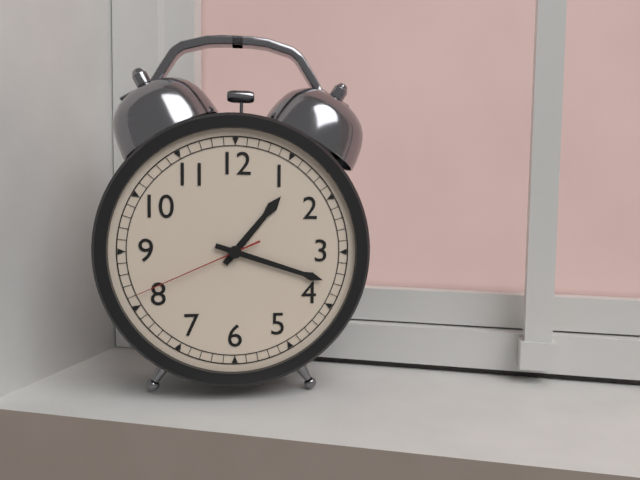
{"hour": 1, "minute": 18, "second": 41}
